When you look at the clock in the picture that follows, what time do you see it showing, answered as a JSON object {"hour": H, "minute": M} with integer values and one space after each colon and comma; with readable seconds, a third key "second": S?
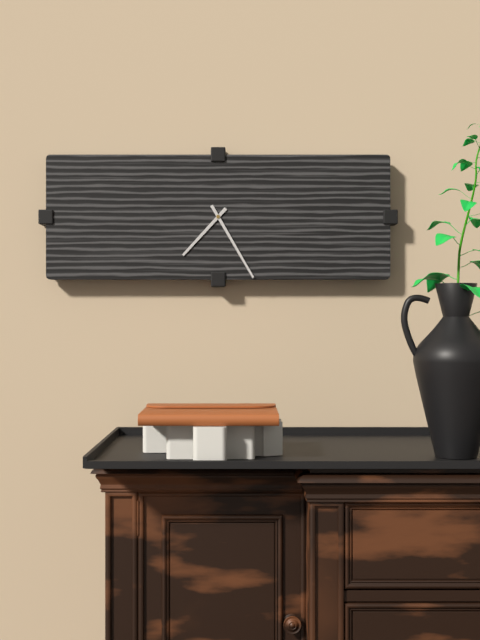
{"hour": 7, "minute": 25}
